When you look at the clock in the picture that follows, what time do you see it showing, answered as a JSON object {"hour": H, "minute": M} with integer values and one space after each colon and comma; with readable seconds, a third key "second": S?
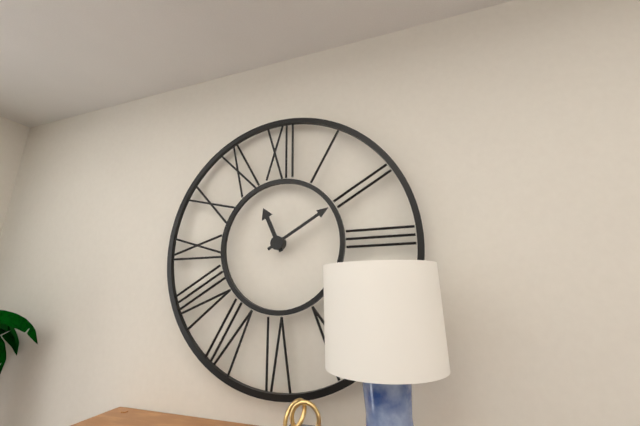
{"hour": 11, "minute": 10}
